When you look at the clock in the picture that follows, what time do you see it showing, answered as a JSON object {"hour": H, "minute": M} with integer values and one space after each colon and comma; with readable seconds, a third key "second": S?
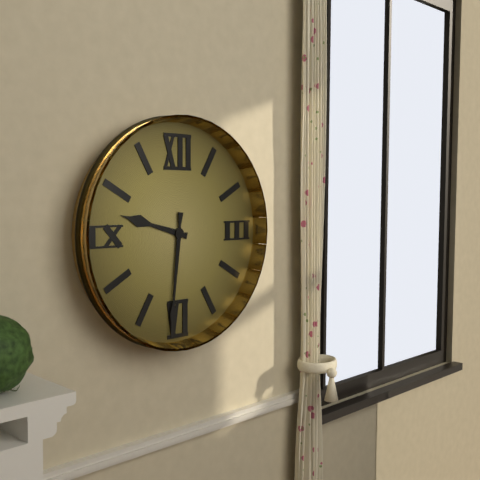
{"hour": 9, "minute": 31}
